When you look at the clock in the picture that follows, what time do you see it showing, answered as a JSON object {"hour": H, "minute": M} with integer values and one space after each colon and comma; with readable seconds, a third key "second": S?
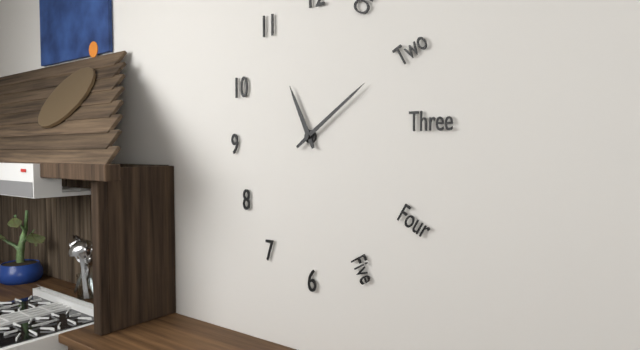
{"hour": 11, "minute": 9}
